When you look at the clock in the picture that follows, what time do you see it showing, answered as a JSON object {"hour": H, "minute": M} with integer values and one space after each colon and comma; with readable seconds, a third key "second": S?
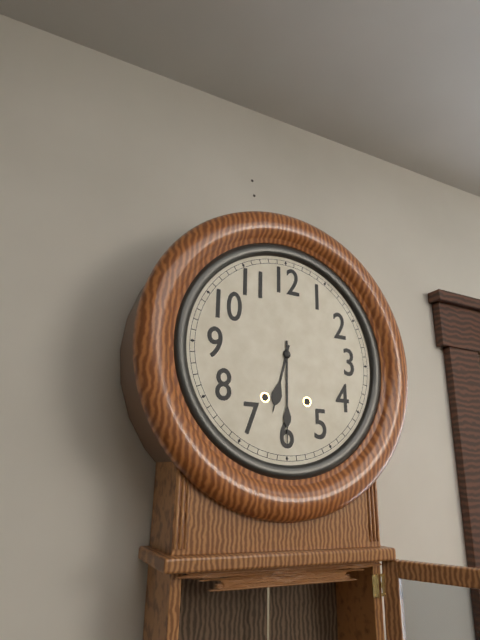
{"hour": 6, "minute": 30}
